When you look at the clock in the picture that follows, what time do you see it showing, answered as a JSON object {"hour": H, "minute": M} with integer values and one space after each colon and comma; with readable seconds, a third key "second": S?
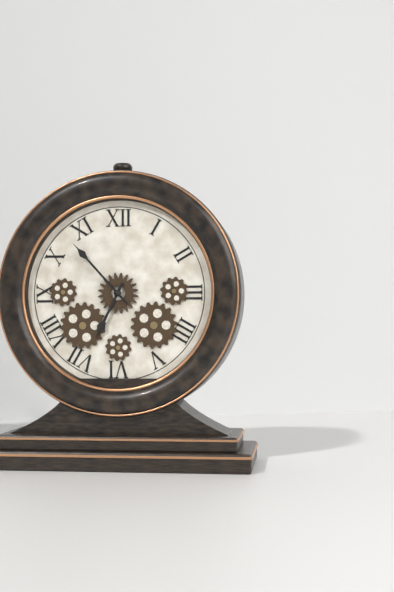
{"hour": 6, "minute": 53}
